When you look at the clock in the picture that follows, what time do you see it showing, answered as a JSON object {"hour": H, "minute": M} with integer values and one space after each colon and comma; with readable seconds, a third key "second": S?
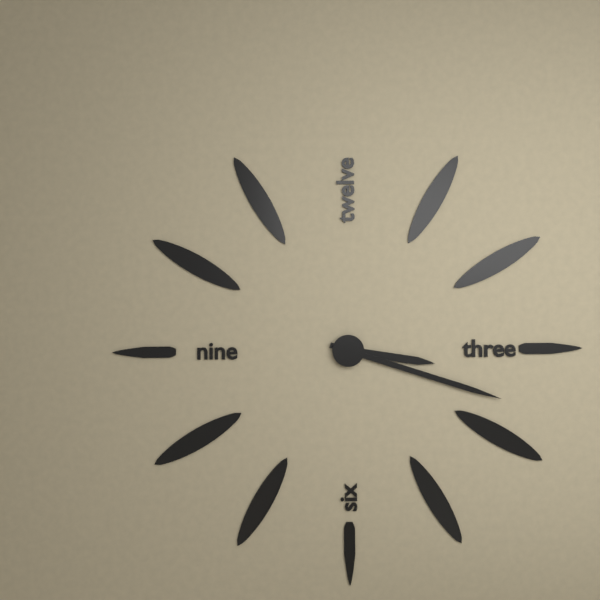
{"hour": 3, "minute": 18}
